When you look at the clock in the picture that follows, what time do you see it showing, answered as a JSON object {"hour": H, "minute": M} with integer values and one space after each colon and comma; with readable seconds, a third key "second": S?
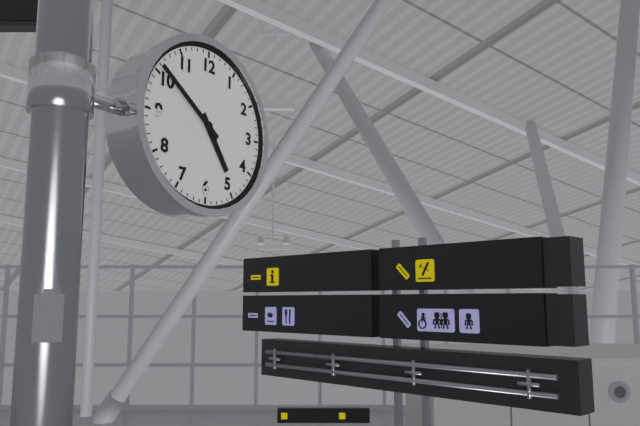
{"hour": 4, "minute": 51}
